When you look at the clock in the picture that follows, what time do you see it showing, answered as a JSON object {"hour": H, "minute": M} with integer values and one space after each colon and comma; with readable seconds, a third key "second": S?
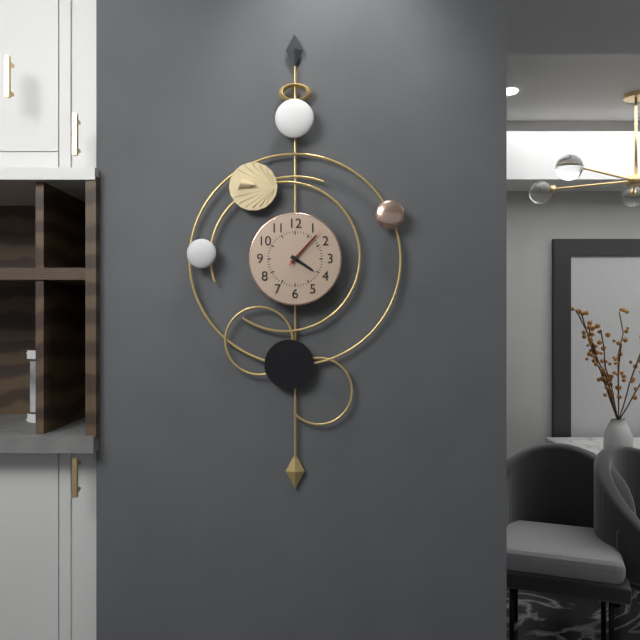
{"hour": 4, "minute": 7}
